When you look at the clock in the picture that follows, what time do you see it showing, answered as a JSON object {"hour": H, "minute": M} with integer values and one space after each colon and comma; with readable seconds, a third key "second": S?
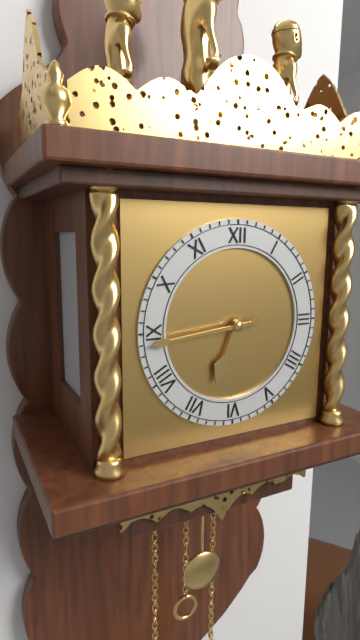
{"hour": 6, "minute": 44}
